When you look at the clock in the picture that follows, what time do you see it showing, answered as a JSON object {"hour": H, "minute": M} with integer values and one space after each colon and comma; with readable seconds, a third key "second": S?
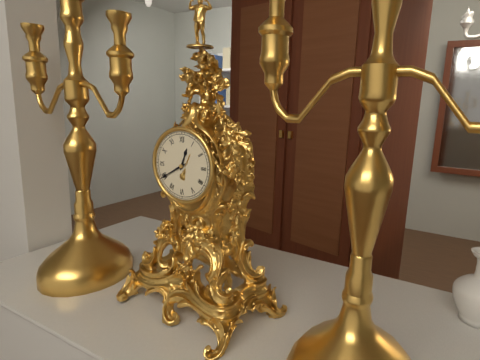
{"hour": 12, "minute": 40}
